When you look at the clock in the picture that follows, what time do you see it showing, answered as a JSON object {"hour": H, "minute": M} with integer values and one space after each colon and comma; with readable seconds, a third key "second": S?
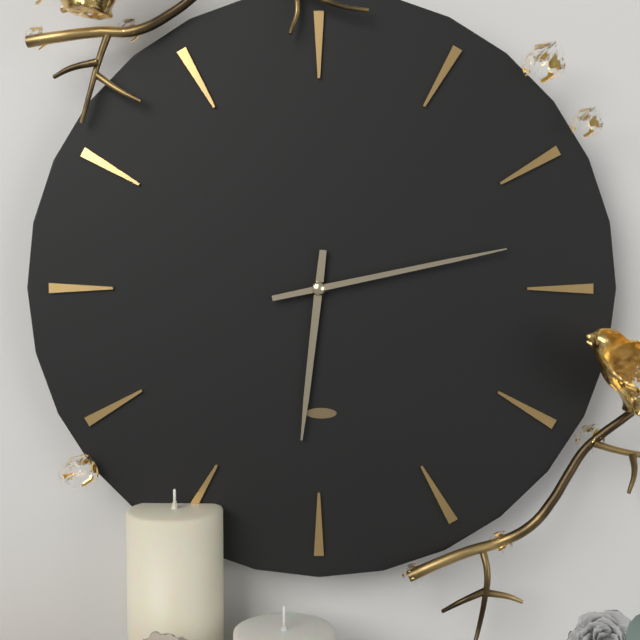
{"hour": 6, "minute": 13}
